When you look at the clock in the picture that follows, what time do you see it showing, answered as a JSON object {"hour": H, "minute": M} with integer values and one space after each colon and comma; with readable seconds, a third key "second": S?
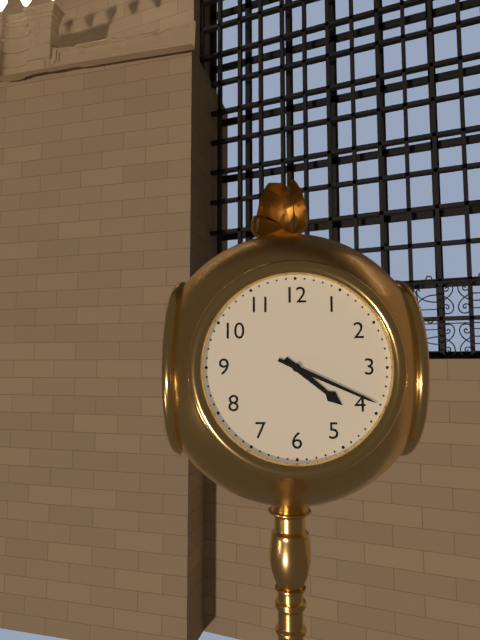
{"hour": 4, "minute": 19}
